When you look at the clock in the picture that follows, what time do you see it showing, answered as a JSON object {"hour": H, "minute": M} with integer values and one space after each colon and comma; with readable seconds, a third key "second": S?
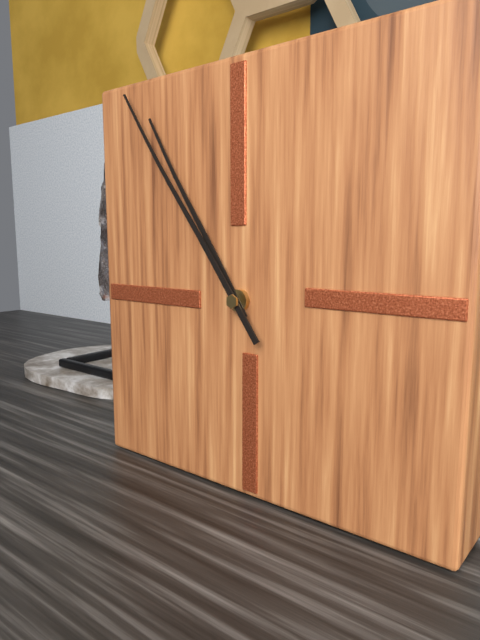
{"hour": 10, "minute": 54}
